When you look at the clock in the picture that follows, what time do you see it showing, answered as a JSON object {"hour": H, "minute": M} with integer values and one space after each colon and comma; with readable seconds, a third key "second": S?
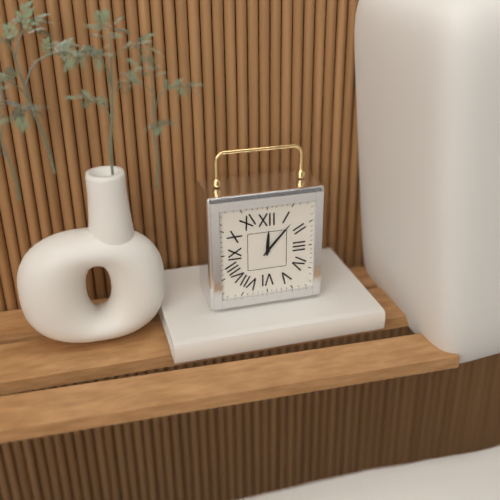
{"hour": 12, "minute": 7}
